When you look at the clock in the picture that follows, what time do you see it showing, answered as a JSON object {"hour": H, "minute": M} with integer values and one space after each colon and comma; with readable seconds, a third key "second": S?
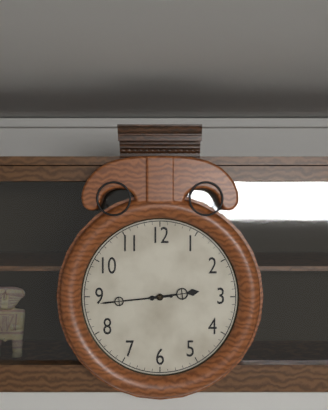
{"hour": 2, "minute": 44}
